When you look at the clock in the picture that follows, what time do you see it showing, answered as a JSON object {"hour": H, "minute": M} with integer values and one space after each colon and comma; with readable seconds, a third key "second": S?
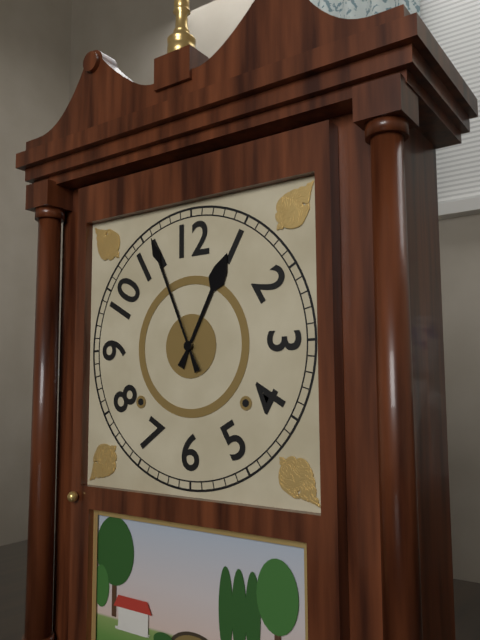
{"hour": 12, "minute": 56}
